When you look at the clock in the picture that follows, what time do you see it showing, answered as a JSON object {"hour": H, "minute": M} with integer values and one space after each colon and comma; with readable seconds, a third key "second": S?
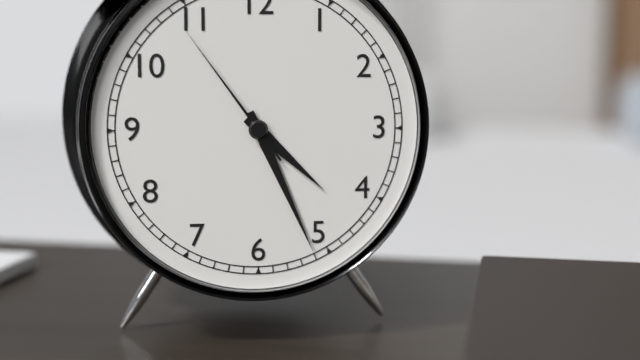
{"hour": 4, "minute": 26, "second": 54}
